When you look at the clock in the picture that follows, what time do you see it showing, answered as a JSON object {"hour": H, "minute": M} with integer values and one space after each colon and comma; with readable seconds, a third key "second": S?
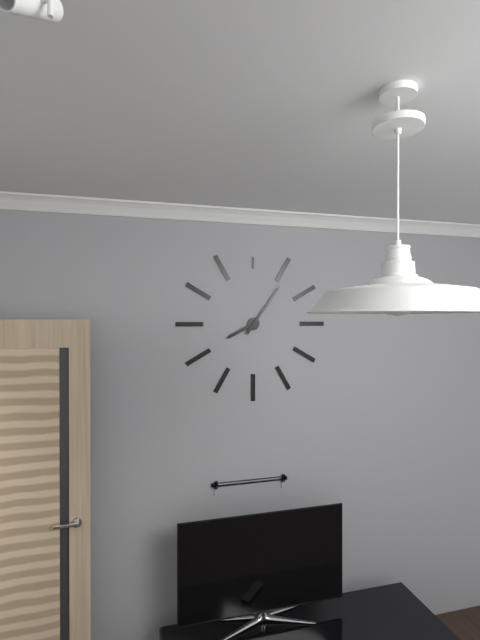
{"hour": 8, "minute": 6}
